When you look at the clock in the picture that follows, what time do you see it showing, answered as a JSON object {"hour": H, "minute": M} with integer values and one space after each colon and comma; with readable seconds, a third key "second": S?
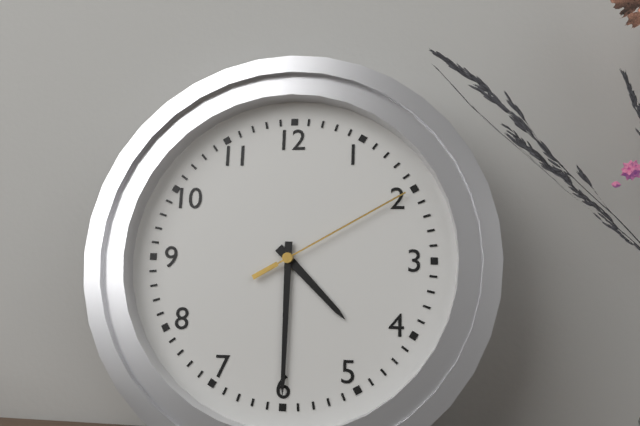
{"hour": 4, "minute": 30, "second": 10}
